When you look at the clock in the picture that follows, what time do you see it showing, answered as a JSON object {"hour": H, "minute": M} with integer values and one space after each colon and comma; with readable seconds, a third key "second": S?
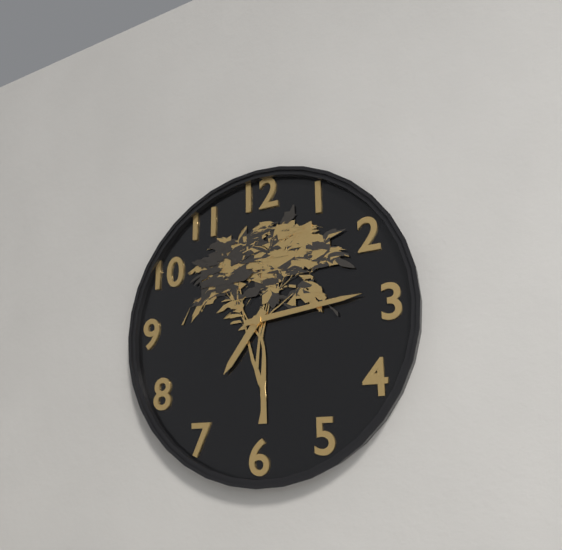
{"hour": 7, "minute": 14}
